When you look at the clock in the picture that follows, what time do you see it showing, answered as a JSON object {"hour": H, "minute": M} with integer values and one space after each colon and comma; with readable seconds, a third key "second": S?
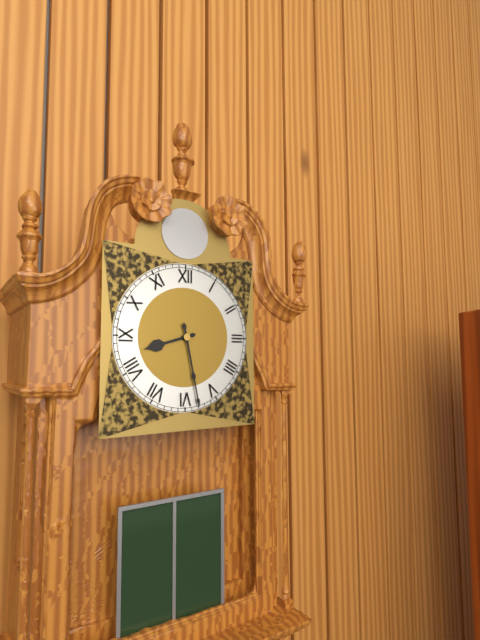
{"hour": 8, "minute": 28}
